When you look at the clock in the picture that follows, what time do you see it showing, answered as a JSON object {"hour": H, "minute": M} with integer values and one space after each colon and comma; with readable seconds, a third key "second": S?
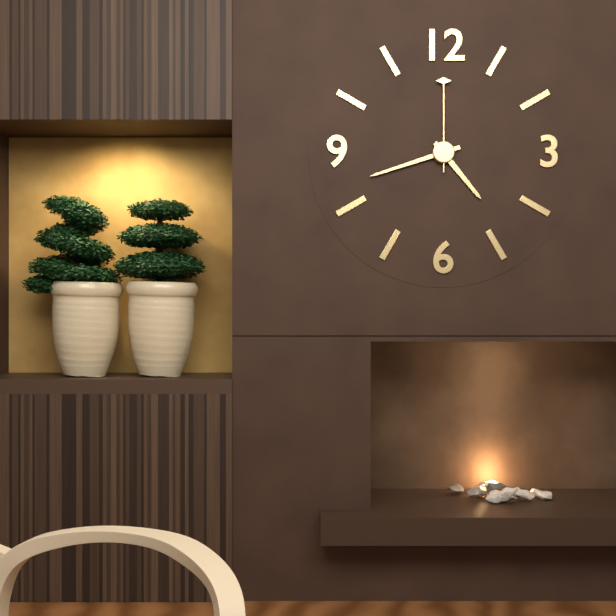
{"hour": 4, "minute": 42, "second": 0}
